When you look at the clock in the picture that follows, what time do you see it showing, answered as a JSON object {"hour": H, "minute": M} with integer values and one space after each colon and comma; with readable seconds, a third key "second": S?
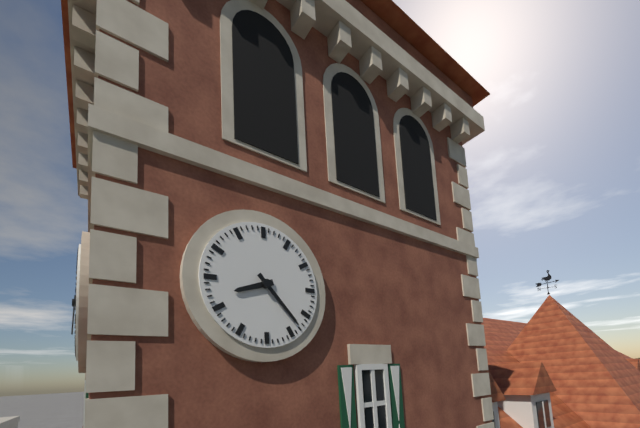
{"hour": 8, "minute": 23}
